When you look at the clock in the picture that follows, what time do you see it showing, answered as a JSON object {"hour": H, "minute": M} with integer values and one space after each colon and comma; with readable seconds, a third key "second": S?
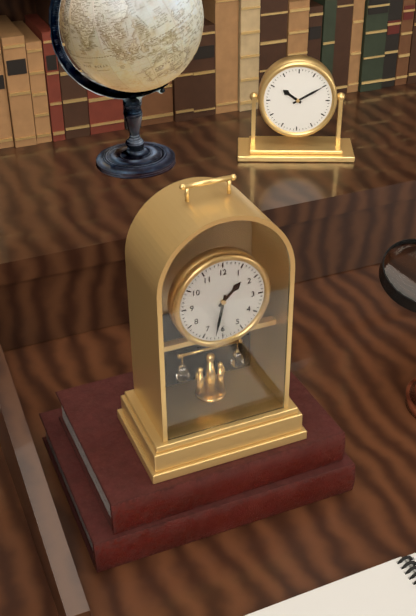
{"hour": 1, "minute": 32}
